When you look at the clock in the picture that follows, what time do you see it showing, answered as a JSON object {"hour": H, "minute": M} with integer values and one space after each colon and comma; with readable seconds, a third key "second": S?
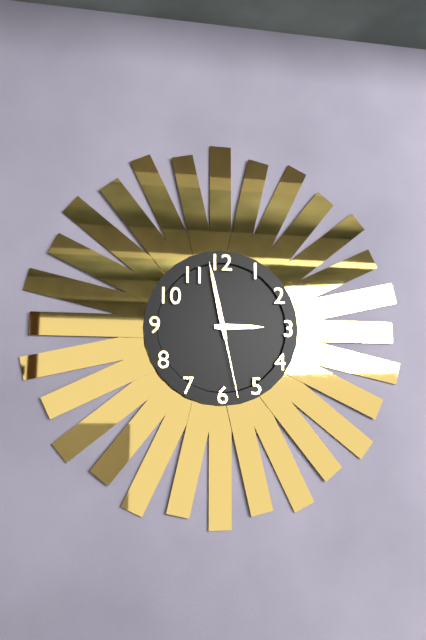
{"hour": 2, "minute": 58, "second": 28}
